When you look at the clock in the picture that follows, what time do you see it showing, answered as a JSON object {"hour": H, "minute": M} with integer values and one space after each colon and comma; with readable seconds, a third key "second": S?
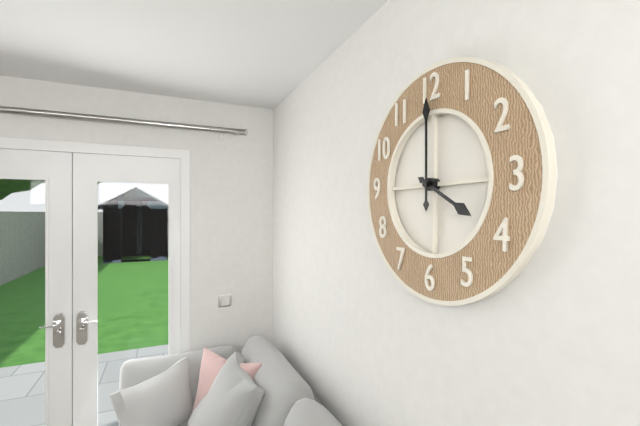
{"hour": 4, "minute": 0}
